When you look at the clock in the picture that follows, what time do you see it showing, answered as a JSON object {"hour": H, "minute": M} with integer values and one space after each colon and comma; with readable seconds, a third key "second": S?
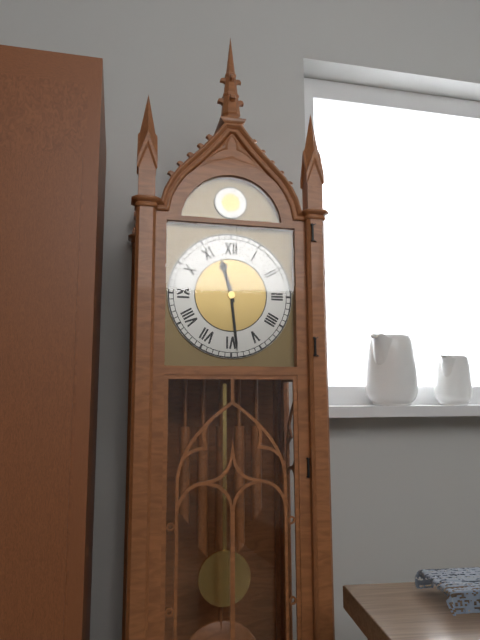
{"hour": 11, "minute": 29}
